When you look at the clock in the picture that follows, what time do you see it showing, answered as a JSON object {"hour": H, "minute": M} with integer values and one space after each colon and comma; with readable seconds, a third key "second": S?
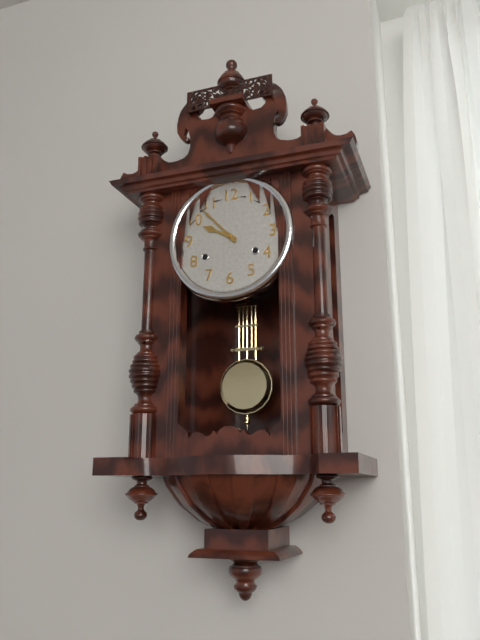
{"hour": 9, "minute": 53}
